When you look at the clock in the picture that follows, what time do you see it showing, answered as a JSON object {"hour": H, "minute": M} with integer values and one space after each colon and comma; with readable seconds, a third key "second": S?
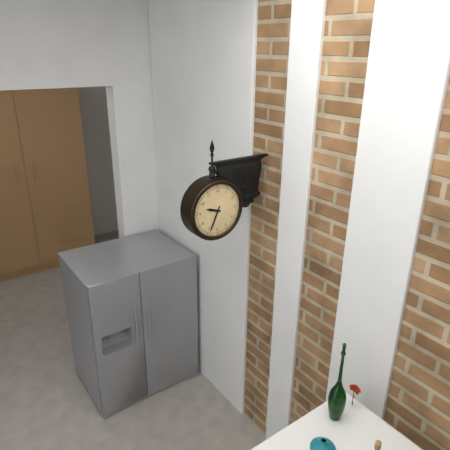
{"hour": 9, "minute": 34}
